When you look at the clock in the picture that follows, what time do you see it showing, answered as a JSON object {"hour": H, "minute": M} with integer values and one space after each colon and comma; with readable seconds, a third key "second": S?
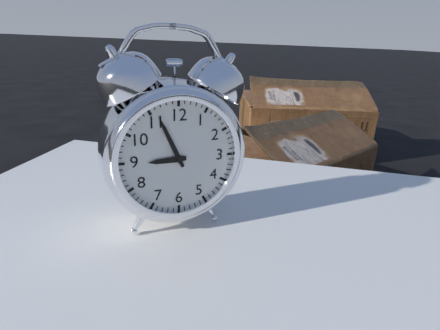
{"hour": 8, "minute": 56}
